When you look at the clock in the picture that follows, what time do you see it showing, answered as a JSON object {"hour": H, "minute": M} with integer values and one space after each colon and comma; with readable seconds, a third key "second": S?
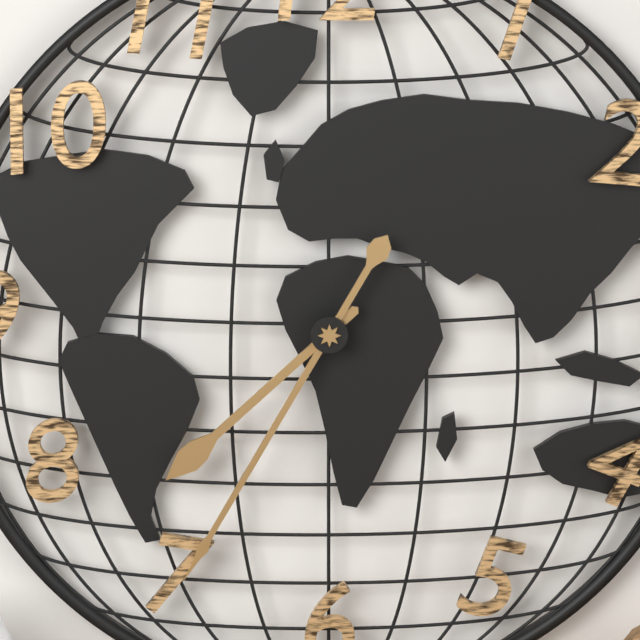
{"hour": 7, "minute": 35}
